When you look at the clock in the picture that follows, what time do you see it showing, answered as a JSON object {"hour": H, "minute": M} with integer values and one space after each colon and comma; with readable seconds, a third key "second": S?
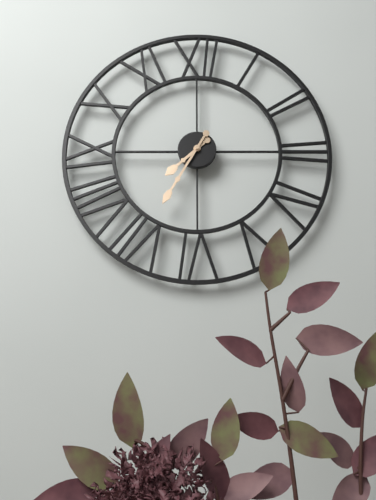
{"hour": 7, "minute": 35}
